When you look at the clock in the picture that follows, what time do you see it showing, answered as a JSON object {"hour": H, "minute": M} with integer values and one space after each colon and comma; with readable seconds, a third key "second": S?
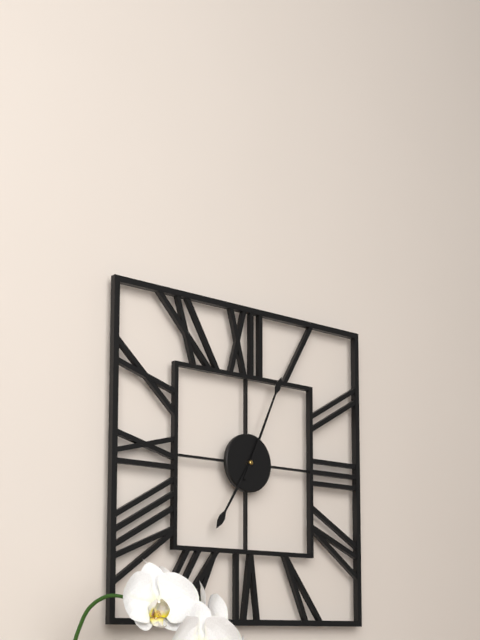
{"hour": 7, "minute": 4}
